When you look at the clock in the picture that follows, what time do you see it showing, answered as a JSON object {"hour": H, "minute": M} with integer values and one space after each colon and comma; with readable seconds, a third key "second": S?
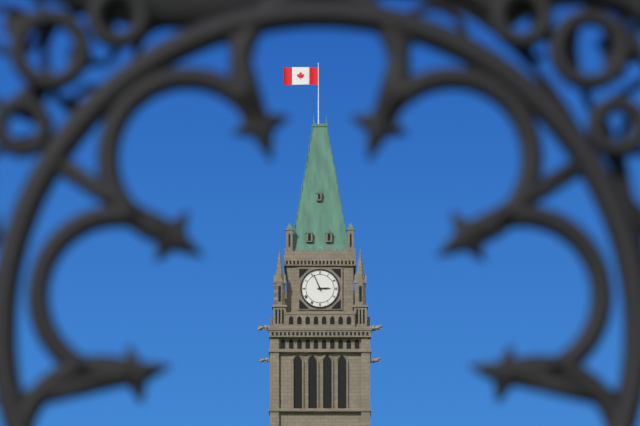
{"hour": 2, "minute": 56}
